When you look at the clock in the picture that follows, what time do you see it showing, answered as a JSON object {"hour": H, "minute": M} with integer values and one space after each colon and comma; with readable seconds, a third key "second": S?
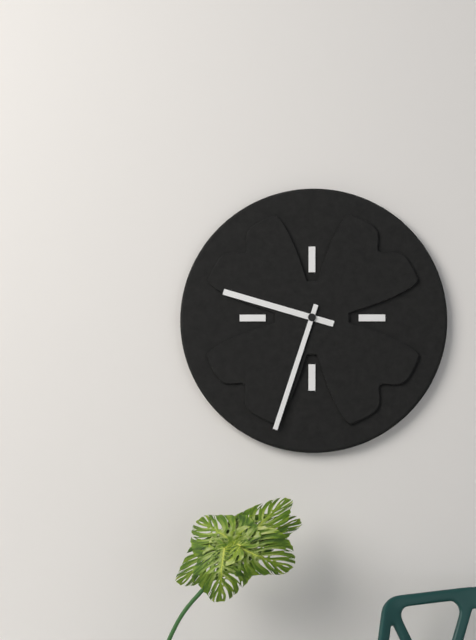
{"hour": 9, "minute": 33}
